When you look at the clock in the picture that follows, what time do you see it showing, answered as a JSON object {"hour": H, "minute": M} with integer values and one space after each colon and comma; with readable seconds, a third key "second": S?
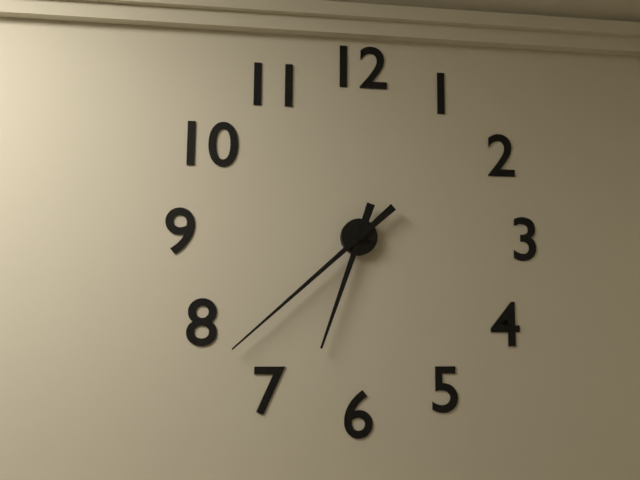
{"hour": 6, "minute": 38}
